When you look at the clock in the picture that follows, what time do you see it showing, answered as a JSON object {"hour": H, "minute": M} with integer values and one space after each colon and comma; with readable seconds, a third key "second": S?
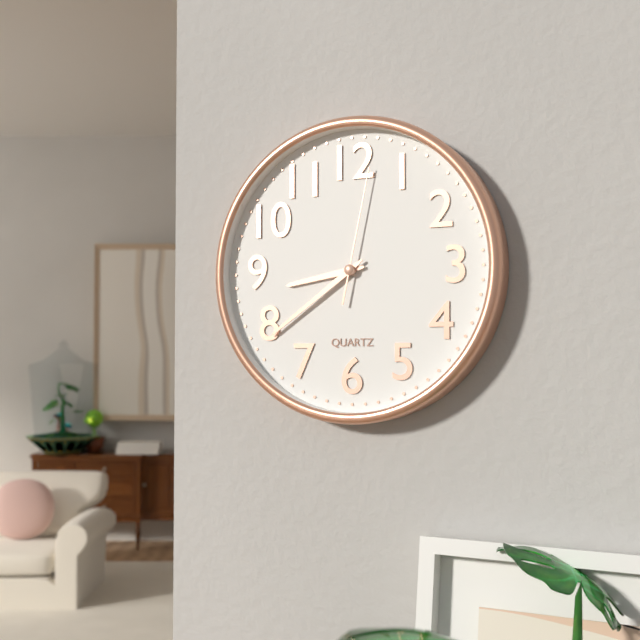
{"hour": 8, "minute": 39, "second": 2}
